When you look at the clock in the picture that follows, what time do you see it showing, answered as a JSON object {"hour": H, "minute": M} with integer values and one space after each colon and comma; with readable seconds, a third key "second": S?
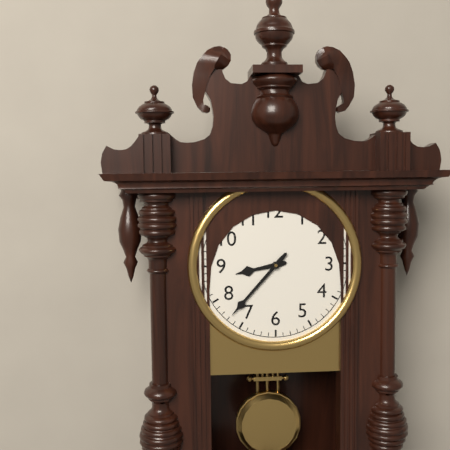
{"hour": 8, "minute": 37}
